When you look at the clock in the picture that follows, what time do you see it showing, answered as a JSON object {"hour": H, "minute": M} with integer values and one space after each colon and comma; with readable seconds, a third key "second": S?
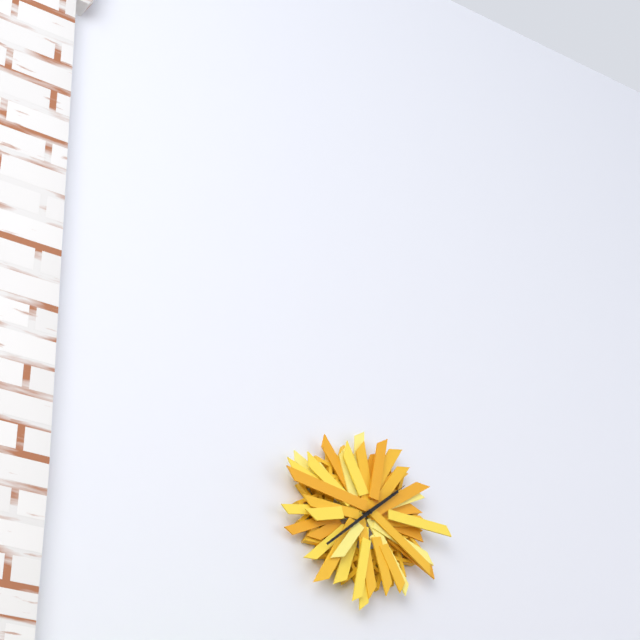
{"hour": 1, "minute": 38, "second": 8}
